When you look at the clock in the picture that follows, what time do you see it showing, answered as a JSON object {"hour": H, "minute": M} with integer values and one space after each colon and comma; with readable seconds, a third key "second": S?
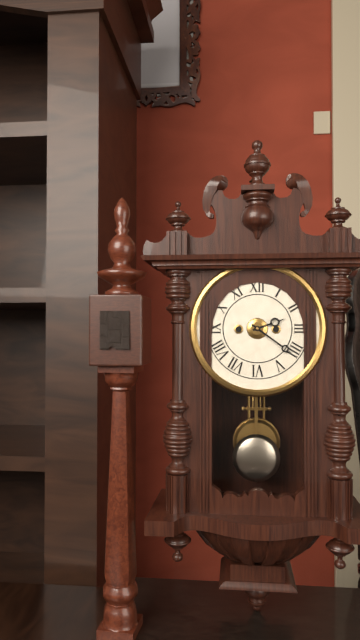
{"hour": 2, "minute": 21}
